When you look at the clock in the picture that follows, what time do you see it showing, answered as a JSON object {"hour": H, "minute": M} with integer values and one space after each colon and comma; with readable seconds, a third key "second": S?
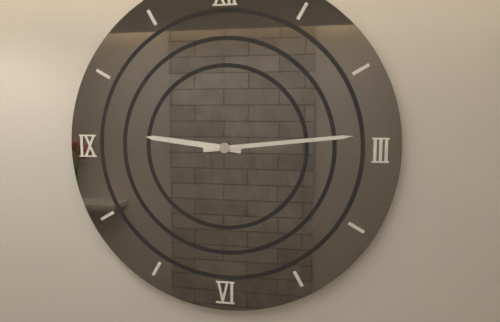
{"hour": 9, "minute": 14}
